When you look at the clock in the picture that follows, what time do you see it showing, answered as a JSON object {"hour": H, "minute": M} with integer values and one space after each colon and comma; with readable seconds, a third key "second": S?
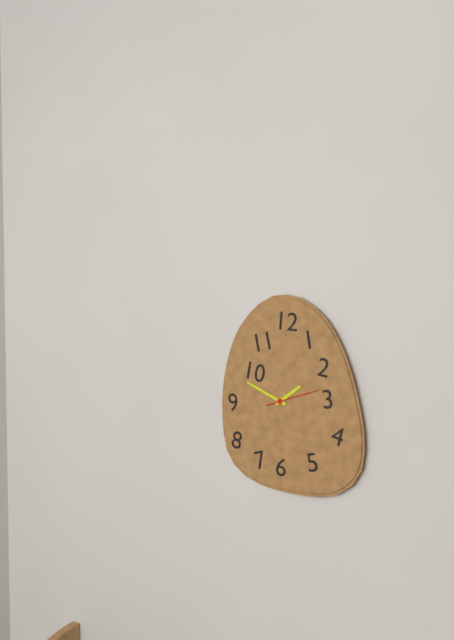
{"hour": 1, "minute": 49}
